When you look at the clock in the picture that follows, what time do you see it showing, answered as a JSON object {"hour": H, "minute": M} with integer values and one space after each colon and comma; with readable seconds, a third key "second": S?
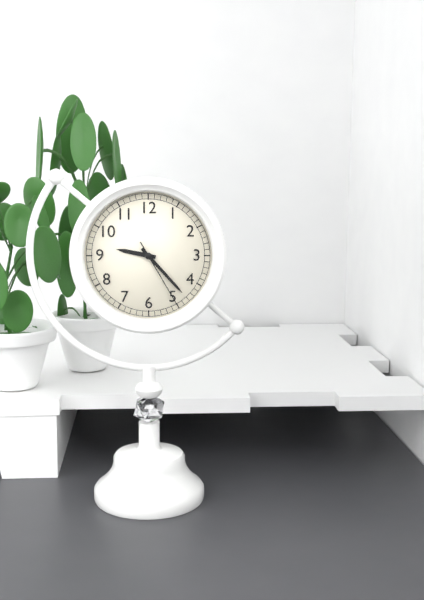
{"hour": 9, "minute": 23, "second": 25}
